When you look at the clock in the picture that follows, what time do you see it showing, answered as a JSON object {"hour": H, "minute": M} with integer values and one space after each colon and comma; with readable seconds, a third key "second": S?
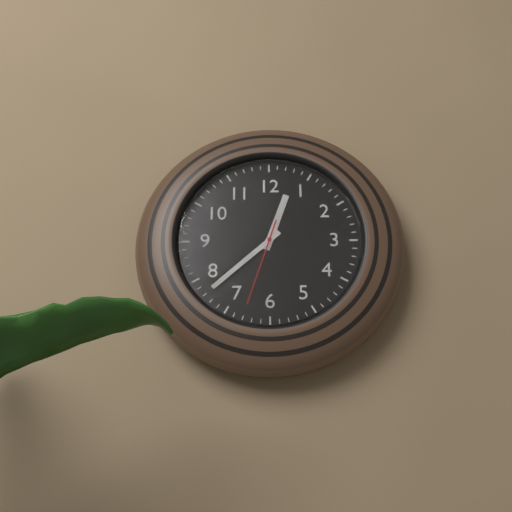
{"hour": 12, "minute": 38, "second": 33}
